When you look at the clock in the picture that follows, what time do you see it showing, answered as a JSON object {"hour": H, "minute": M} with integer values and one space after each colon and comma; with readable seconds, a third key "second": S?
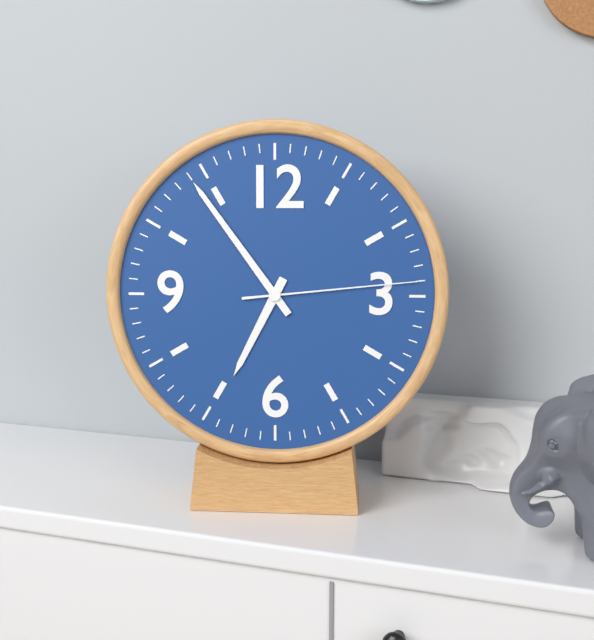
{"hour": 6, "minute": 54, "second": 14}
